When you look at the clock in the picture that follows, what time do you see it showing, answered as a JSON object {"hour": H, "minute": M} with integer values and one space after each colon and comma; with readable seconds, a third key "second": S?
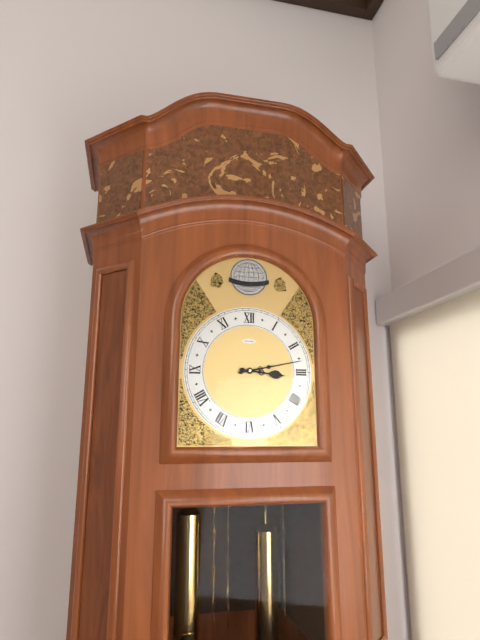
{"hour": 3, "minute": 13}
